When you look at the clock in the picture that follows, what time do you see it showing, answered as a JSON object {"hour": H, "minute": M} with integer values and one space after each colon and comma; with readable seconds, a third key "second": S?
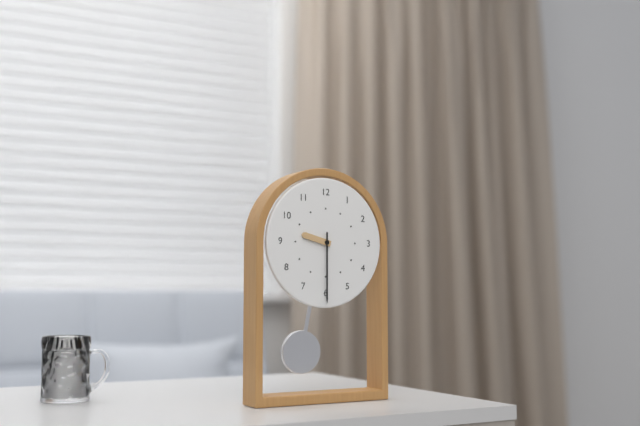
{"hour": 9, "minute": 30}
